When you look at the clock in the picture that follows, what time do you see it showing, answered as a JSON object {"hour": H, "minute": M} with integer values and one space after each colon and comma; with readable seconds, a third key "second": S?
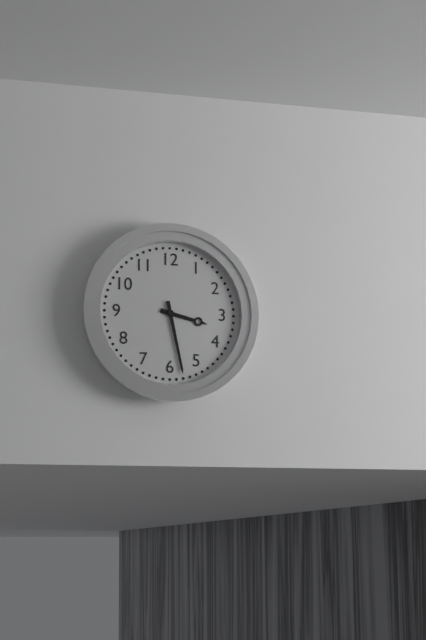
{"hour": 3, "minute": 28}
